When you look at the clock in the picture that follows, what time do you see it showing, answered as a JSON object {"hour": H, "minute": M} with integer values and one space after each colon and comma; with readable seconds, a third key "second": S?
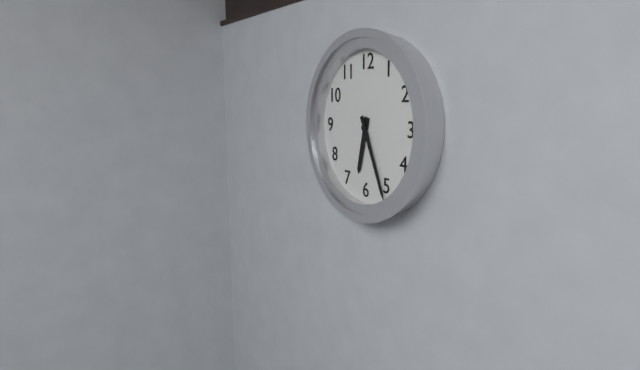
{"hour": 6, "minute": 26}
